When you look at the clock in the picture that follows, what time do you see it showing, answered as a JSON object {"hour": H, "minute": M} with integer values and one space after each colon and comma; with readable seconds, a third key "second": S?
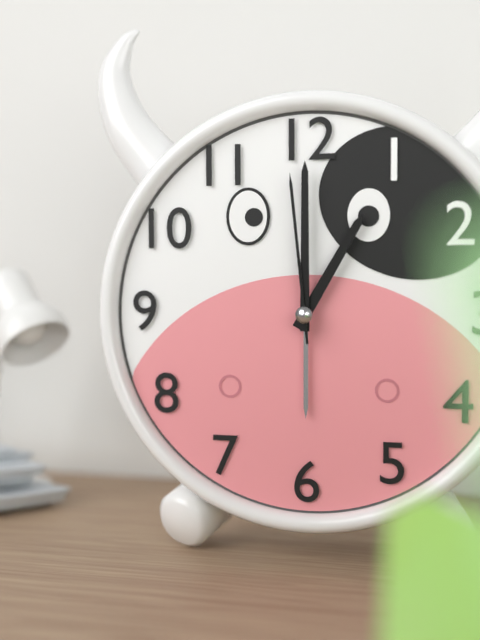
{"hour": 1, "minute": 0, "second": 59}
